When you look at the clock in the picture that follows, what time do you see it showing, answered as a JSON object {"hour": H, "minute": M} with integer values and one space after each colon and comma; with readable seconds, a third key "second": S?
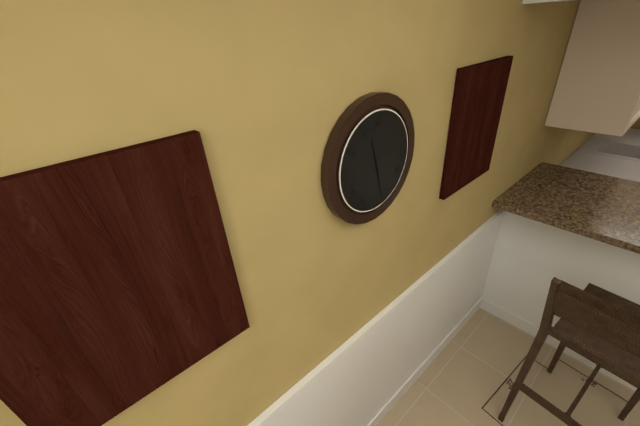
{"hour": 11, "minute": 28}
